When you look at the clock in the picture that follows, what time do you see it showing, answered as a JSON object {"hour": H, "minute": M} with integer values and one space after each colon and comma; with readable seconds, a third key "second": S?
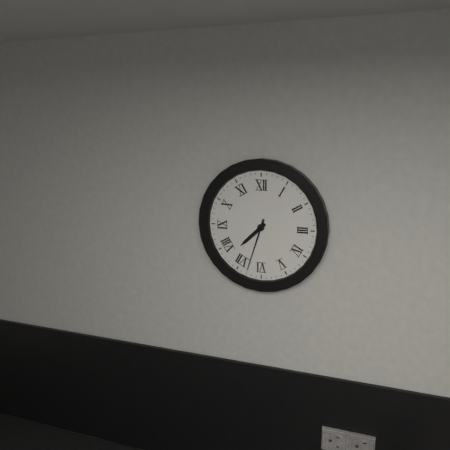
{"hour": 7, "minute": 33}
